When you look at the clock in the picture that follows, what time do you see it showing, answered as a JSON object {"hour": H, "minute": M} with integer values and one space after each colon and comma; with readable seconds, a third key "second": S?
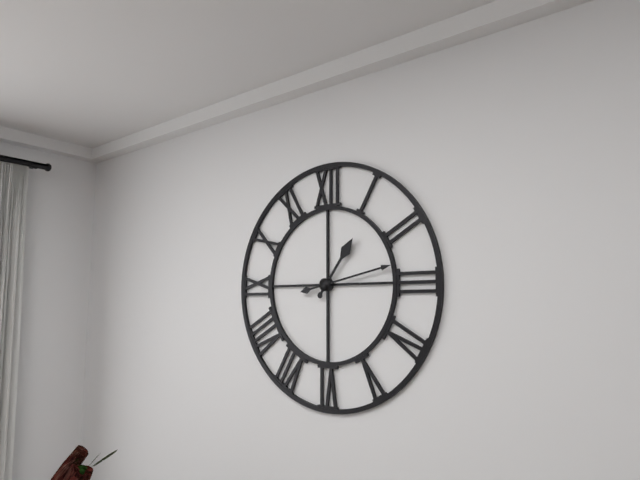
{"hour": 1, "minute": 13}
